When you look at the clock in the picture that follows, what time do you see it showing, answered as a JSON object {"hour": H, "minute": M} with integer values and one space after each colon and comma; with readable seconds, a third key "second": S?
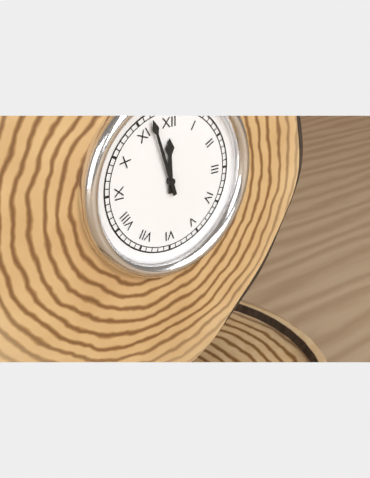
{"hour": 11, "minute": 57}
